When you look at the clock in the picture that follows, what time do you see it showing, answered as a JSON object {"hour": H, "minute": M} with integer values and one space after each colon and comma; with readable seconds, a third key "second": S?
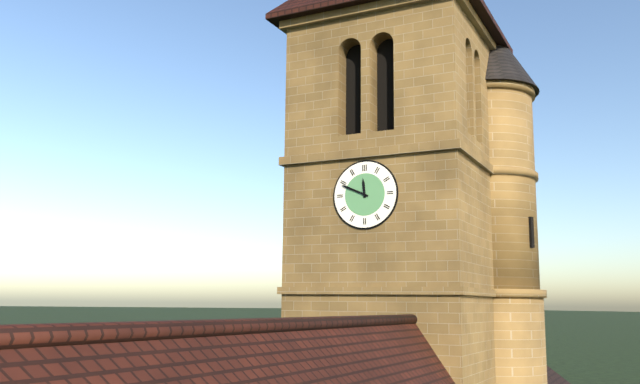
{"hour": 11, "minute": 49}
